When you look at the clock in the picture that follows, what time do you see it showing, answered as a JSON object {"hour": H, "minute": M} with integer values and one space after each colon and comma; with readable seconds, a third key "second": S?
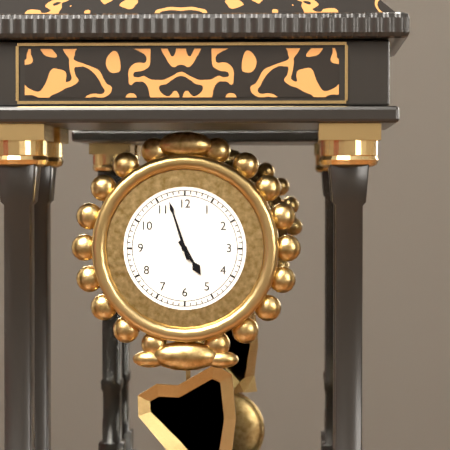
{"hour": 4, "minute": 57}
